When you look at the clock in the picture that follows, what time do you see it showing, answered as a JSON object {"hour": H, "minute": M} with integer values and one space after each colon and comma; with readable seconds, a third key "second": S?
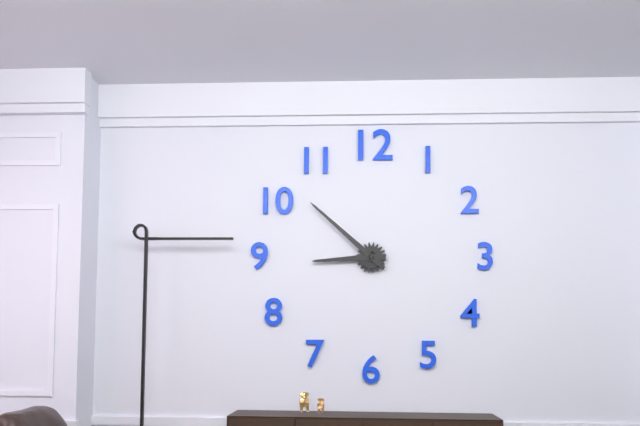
{"hour": 8, "minute": 52}
